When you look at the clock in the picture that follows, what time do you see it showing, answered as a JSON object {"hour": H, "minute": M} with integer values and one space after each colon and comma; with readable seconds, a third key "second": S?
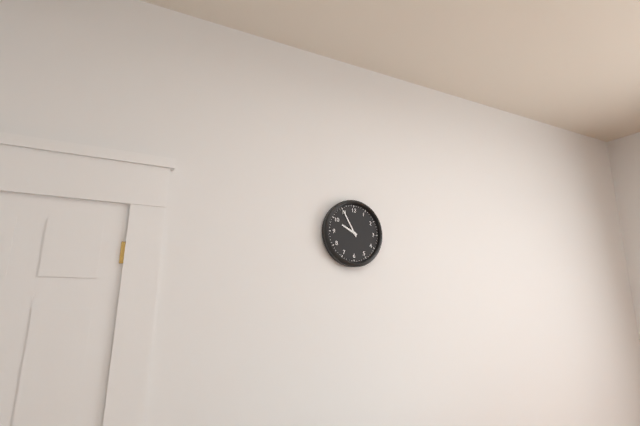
{"hour": 9, "minute": 55}
